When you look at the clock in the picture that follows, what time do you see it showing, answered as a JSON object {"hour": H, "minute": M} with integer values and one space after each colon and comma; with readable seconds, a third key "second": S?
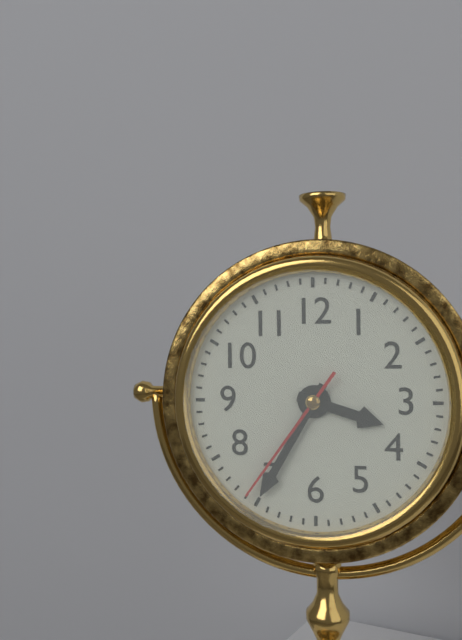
{"hour": 3, "minute": 35, "second": 36}
